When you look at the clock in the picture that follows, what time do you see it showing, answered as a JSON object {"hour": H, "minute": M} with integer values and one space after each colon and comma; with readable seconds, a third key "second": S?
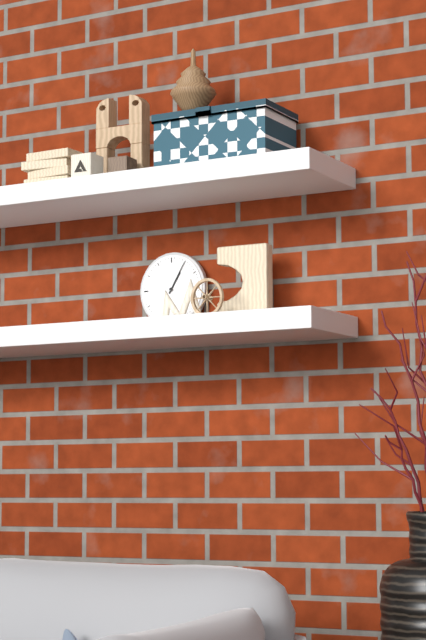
{"hour": 1, "minute": 5}
